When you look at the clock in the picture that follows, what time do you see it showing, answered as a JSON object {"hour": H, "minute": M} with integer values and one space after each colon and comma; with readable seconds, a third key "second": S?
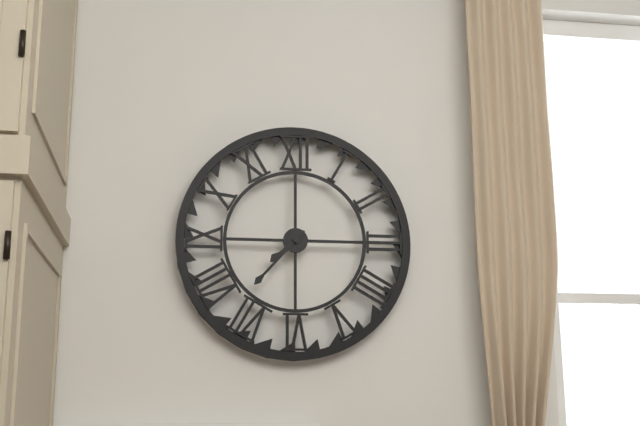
{"hour": 7, "minute": 37}
